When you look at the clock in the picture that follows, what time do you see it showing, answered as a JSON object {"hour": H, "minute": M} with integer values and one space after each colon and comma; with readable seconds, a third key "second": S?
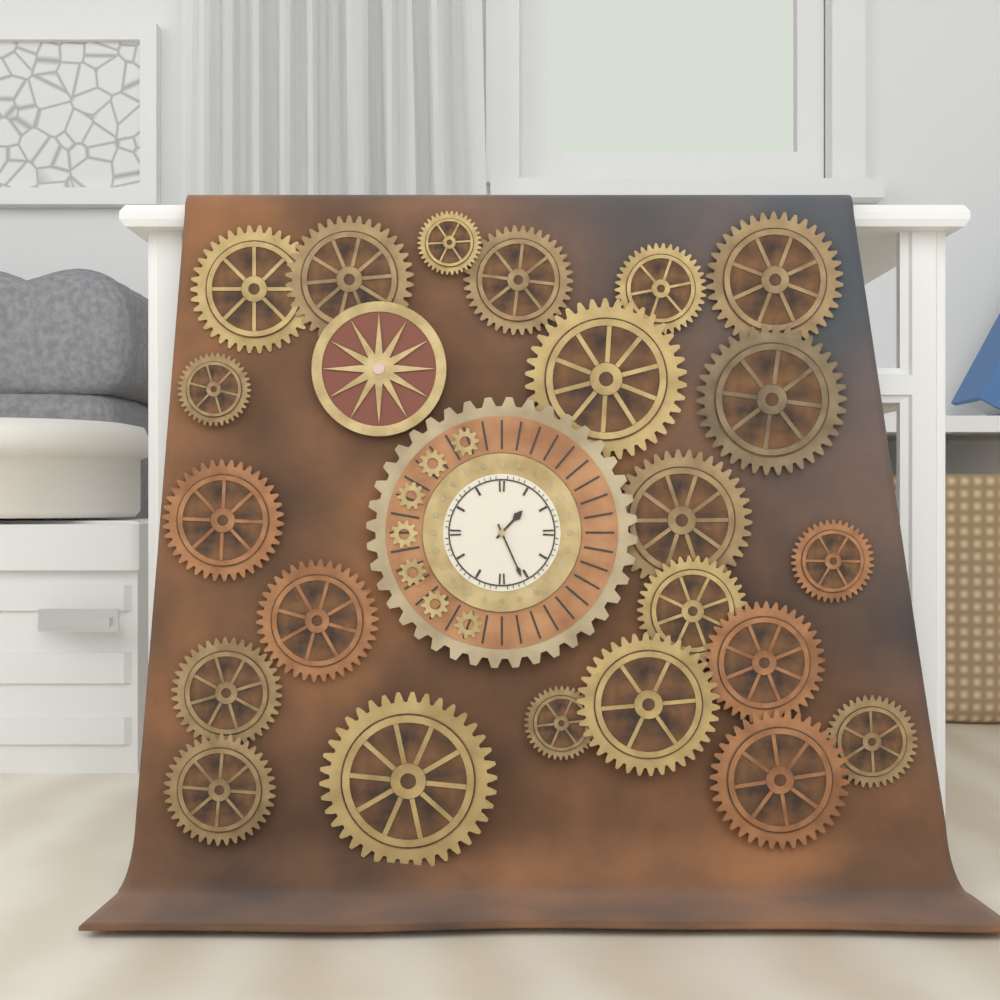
{"hour": 1, "minute": 26}
